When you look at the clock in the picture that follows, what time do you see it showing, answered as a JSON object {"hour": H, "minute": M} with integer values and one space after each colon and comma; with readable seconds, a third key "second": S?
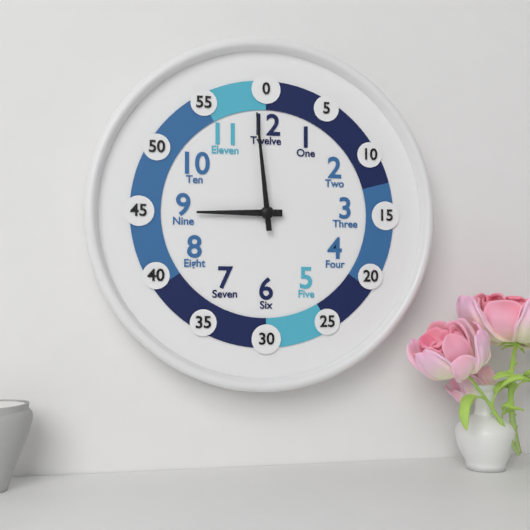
{"hour": 8, "minute": 59}
